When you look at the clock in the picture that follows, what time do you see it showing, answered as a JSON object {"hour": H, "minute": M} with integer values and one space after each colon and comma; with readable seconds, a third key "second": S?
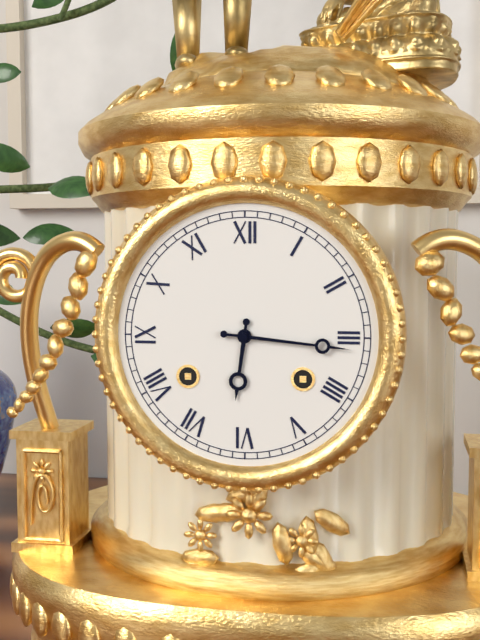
{"hour": 6, "minute": 16}
